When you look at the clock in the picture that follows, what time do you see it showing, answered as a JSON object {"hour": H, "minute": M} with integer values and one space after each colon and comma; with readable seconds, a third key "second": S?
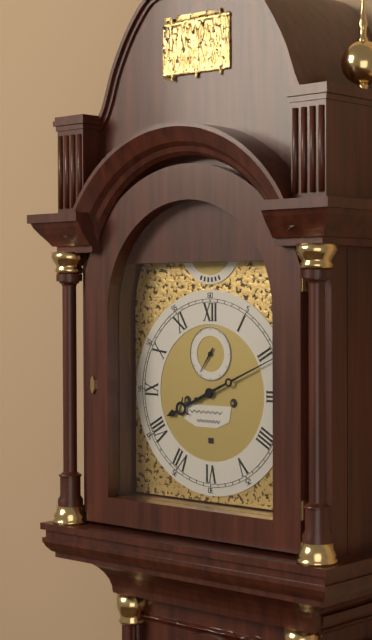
{"hour": 8, "minute": 11}
